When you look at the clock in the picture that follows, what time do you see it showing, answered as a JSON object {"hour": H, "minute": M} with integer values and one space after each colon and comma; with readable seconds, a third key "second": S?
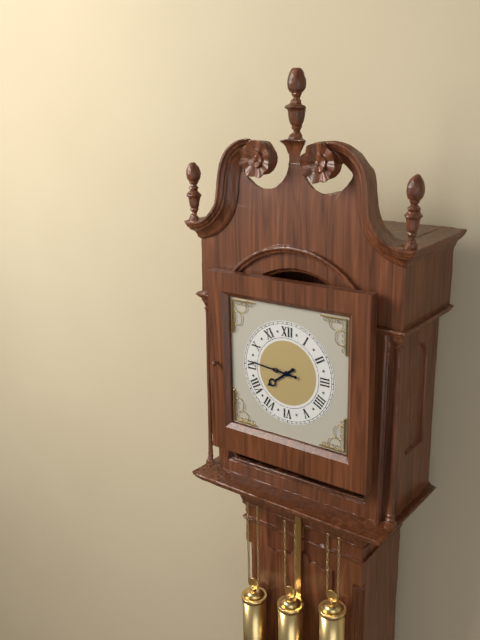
{"hour": 7, "minute": 46}
